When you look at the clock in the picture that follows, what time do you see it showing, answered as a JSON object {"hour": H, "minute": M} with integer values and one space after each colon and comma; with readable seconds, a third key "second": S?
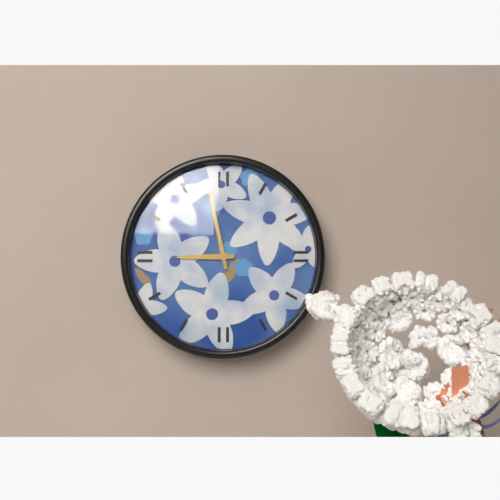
{"hour": 8, "minute": 58}
